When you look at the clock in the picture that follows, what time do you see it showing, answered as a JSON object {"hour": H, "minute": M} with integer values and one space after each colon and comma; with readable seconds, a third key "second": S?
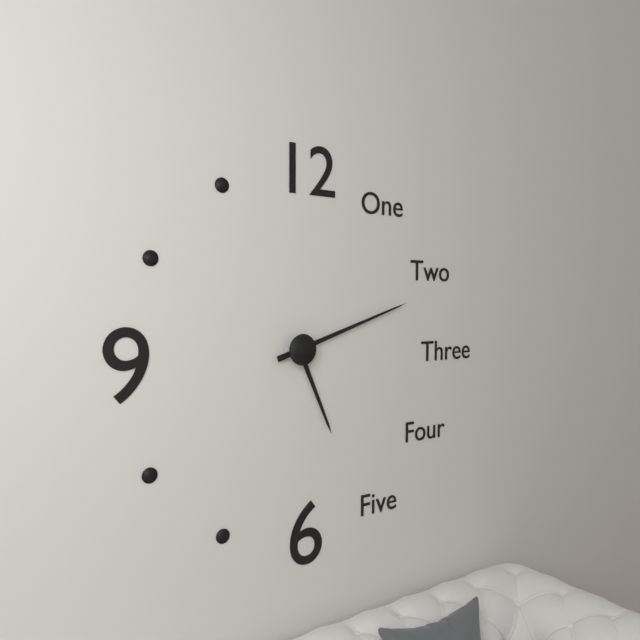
{"hour": 5, "minute": 12}
